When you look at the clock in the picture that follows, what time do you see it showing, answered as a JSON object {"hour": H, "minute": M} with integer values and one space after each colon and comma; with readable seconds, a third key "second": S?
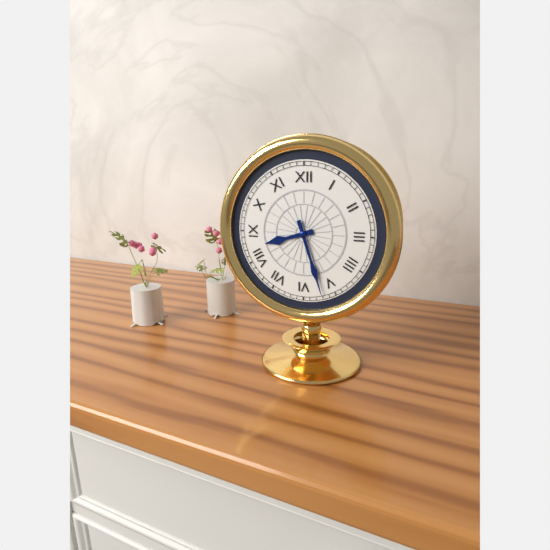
{"hour": 8, "minute": 27}
